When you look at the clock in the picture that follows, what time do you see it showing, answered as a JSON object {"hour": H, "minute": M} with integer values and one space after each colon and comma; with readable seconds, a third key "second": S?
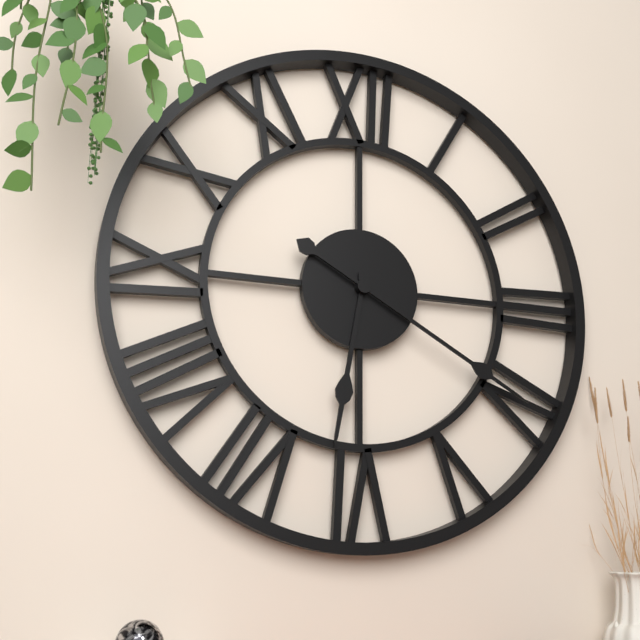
{"hour": 6, "minute": 20}
